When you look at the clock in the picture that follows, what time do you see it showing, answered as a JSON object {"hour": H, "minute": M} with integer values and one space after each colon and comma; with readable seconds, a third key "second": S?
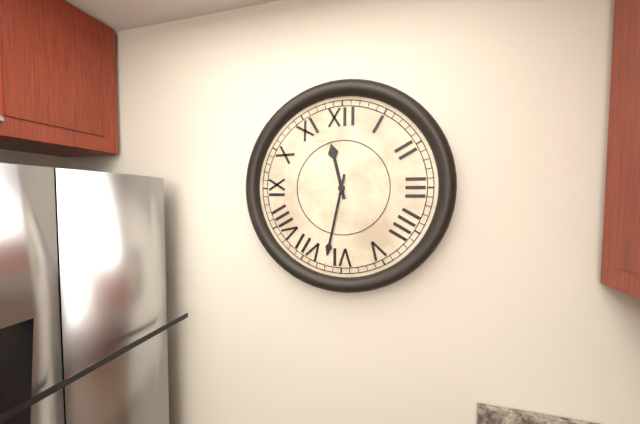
{"hour": 11, "minute": 32}
